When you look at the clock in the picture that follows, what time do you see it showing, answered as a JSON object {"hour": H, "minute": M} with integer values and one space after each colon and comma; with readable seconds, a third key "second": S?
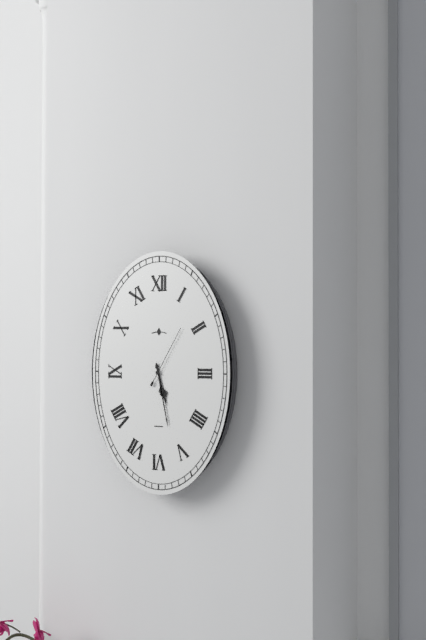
{"hour": 5, "minute": 28, "second": 5}
